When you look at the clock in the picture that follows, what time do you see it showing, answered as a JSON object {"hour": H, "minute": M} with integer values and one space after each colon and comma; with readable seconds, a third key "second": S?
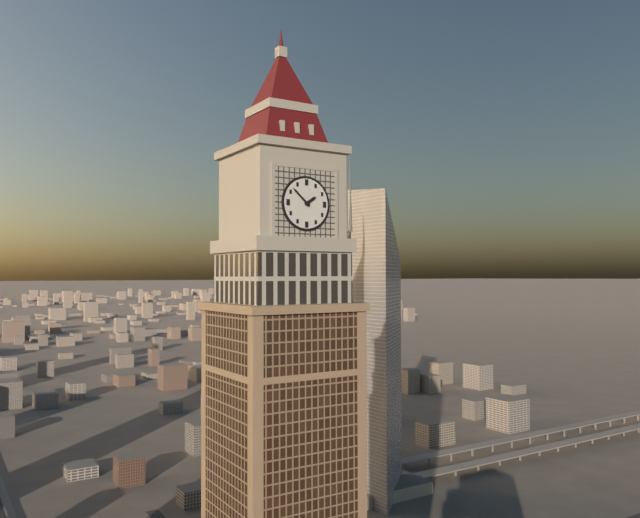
{"hour": 1, "minute": 52}
